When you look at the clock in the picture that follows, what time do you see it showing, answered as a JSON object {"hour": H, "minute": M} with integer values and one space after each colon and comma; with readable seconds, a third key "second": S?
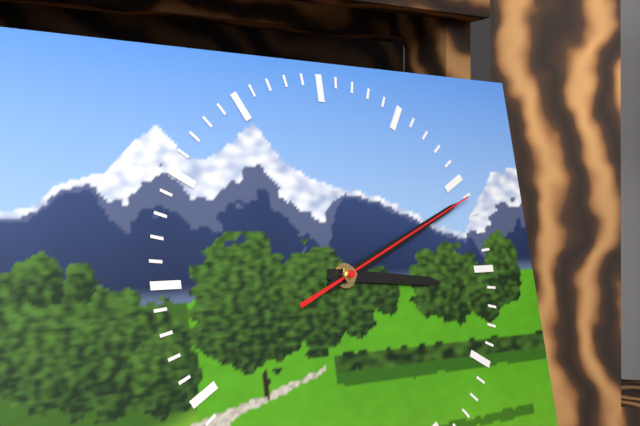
{"hour": 3, "minute": 11, "second": 11}
